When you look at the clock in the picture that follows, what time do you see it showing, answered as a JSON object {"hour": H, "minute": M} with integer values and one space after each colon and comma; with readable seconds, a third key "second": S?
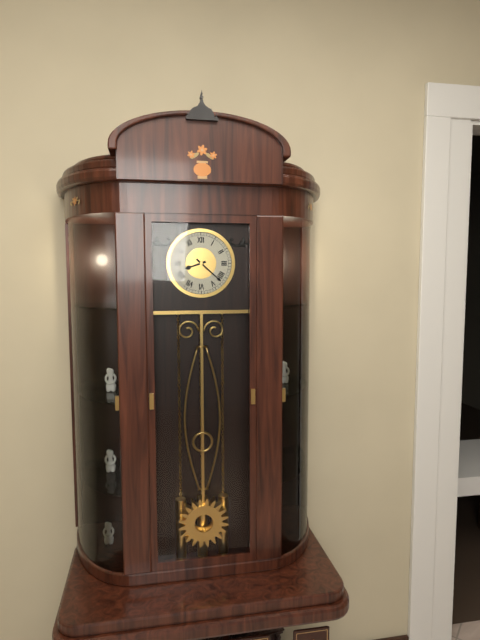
{"hour": 8, "minute": 22}
